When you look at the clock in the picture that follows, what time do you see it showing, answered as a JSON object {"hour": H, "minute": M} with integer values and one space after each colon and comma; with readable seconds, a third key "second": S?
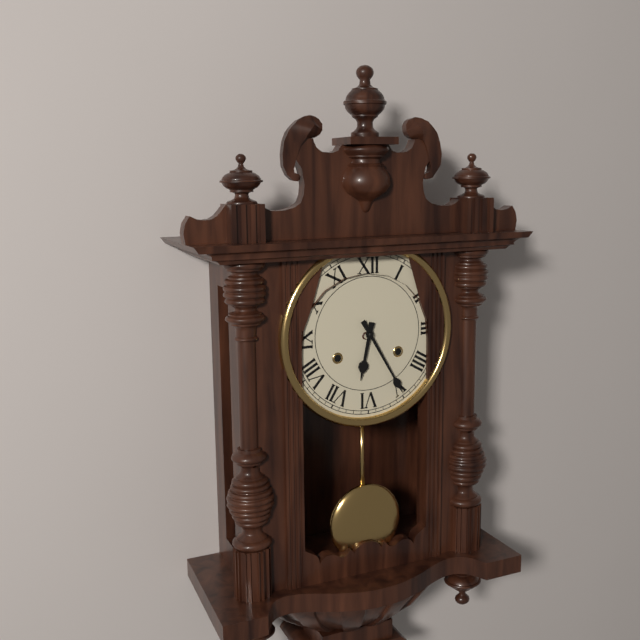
{"hour": 6, "minute": 25}
